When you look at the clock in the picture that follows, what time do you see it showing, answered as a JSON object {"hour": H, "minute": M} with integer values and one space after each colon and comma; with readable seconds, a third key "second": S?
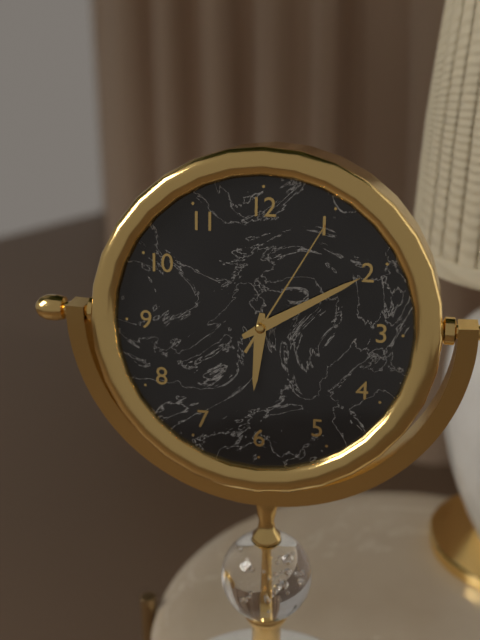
{"hour": 6, "minute": 10, "second": 5}
